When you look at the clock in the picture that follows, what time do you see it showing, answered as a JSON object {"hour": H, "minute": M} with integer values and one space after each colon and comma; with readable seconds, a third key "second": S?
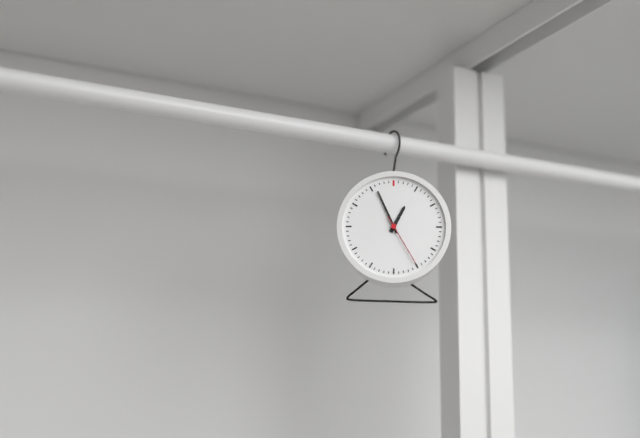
{"hour": 12, "minute": 56, "second": 25}
